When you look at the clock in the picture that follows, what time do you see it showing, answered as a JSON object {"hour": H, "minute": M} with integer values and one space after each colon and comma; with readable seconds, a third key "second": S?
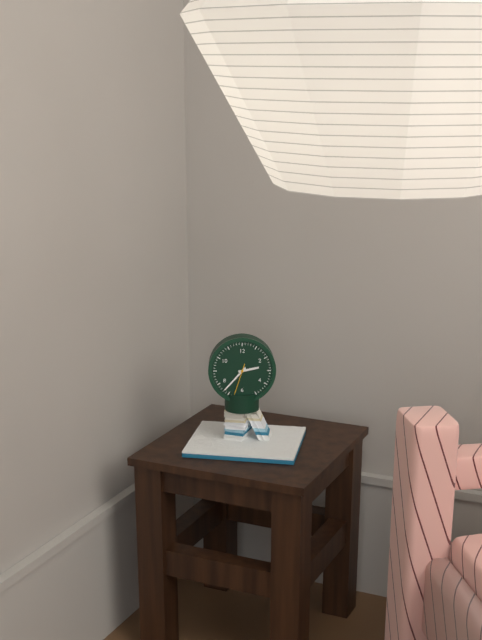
{"hour": 2, "minute": 37}
